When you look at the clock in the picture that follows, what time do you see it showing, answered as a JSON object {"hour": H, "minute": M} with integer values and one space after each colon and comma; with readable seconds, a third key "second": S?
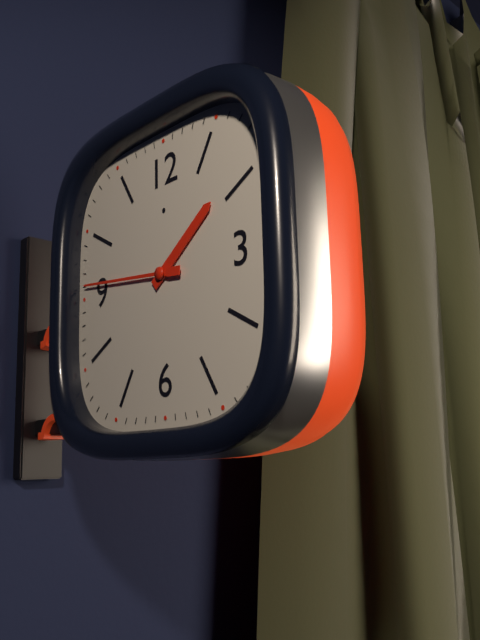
{"hour": 1, "minute": 46}
